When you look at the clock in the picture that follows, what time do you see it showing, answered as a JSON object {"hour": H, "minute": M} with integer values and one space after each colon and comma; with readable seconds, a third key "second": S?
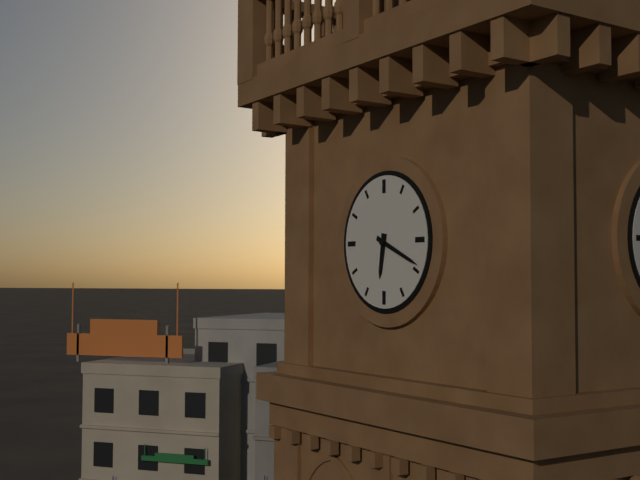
{"hour": 6, "minute": 19}
